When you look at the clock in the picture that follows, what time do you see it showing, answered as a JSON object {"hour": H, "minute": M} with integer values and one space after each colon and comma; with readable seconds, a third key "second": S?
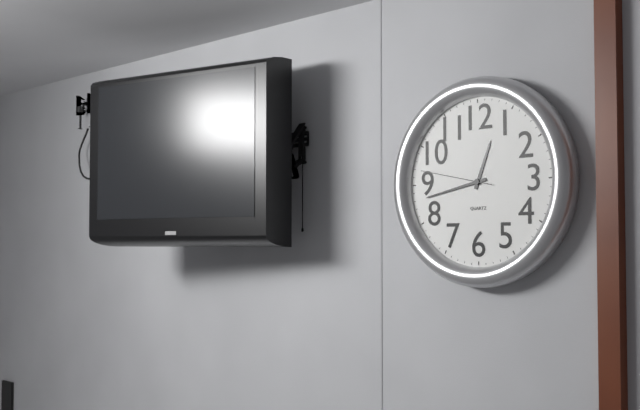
{"hour": 12, "minute": 43, "second": 47}
